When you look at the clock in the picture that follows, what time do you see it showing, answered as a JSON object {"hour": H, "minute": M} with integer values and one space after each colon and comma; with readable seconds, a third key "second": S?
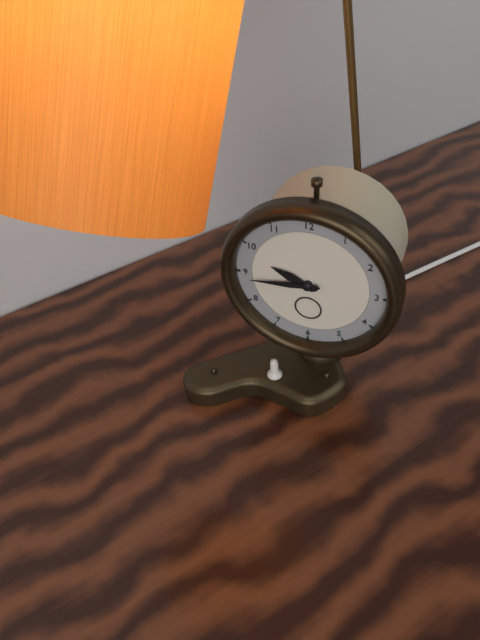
{"hour": 9, "minute": 44}
